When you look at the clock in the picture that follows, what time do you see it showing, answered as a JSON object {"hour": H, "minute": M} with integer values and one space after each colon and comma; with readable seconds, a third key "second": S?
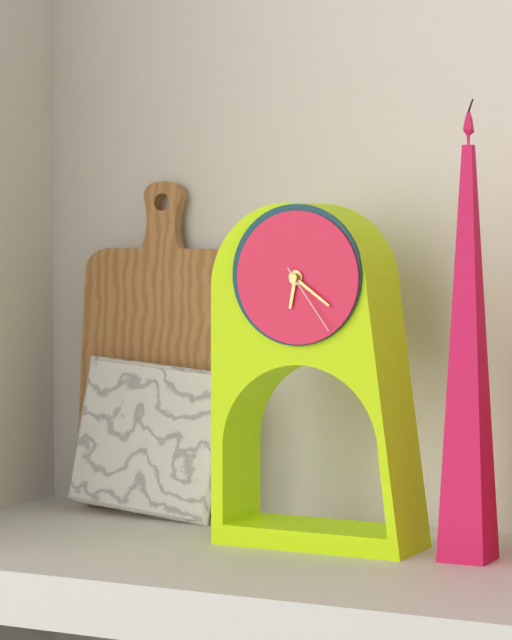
{"hour": 6, "minute": 21, "second": 24}
